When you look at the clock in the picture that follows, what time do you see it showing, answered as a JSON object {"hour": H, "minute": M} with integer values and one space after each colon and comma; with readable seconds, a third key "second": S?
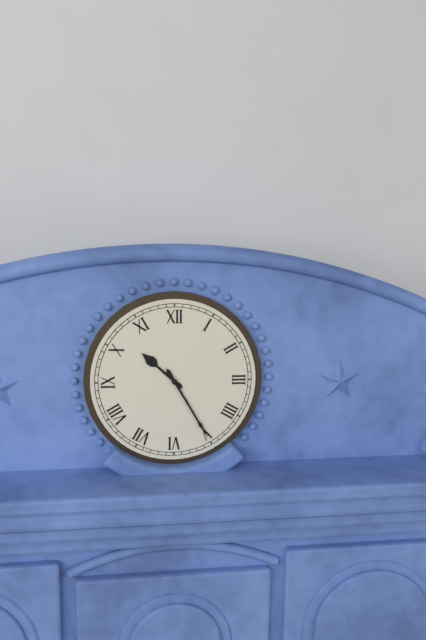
{"hour": 10, "minute": 25}
